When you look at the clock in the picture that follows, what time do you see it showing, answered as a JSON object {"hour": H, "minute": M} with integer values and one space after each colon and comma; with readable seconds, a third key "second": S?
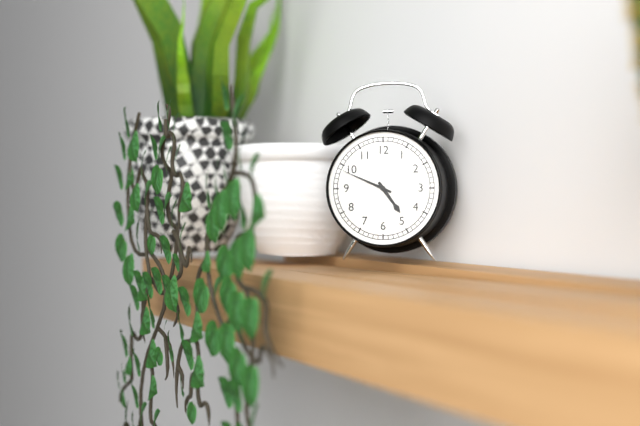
{"hour": 4, "minute": 49}
